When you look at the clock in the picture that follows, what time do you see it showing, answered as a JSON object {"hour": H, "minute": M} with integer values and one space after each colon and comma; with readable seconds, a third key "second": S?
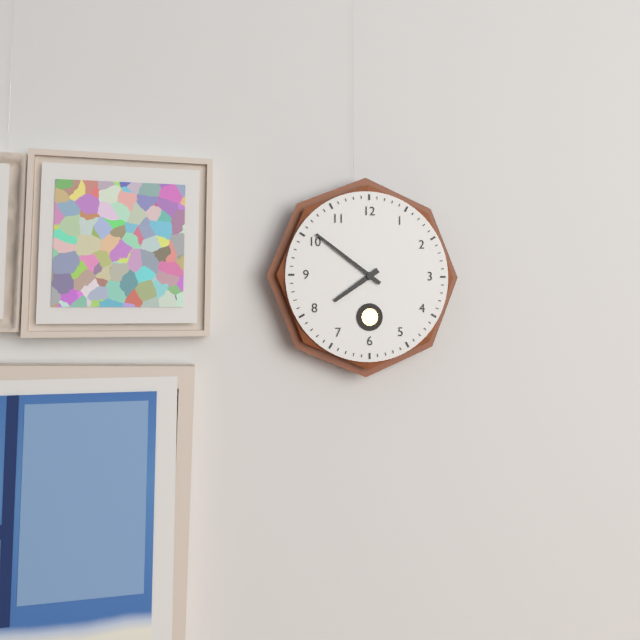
{"hour": 7, "minute": 51}
